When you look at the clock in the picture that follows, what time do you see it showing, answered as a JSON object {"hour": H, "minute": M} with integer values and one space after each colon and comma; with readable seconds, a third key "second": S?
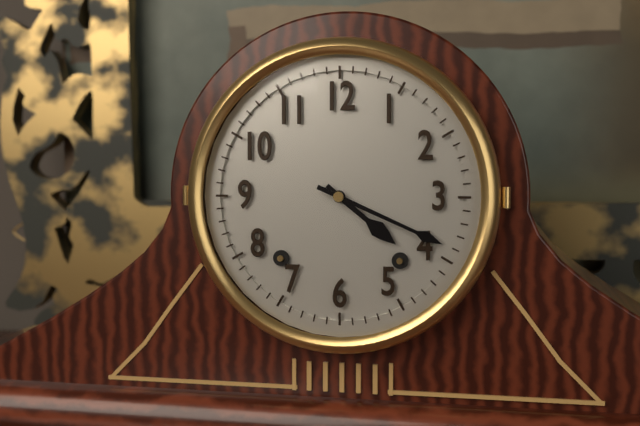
{"hour": 4, "minute": 19}
